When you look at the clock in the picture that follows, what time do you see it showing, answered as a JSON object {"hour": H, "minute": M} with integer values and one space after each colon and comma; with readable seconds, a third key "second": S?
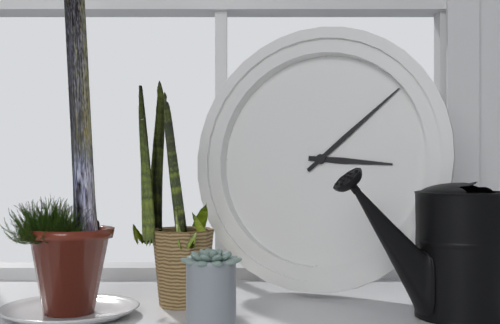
{"hour": 3, "minute": 8}
